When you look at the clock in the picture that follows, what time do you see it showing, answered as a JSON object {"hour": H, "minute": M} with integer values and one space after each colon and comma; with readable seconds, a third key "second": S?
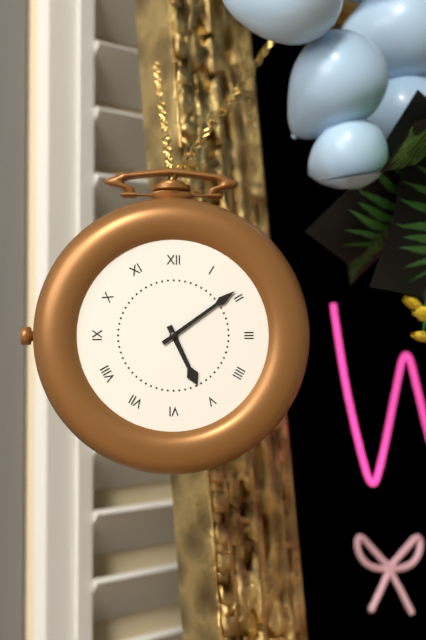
{"hour": 5, "minute": 9}
